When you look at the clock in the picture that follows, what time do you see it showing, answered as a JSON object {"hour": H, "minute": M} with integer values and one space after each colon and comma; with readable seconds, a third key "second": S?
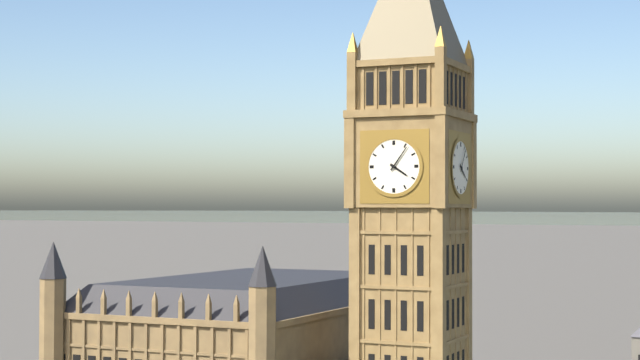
{"hour": 4, "minute": 6}
